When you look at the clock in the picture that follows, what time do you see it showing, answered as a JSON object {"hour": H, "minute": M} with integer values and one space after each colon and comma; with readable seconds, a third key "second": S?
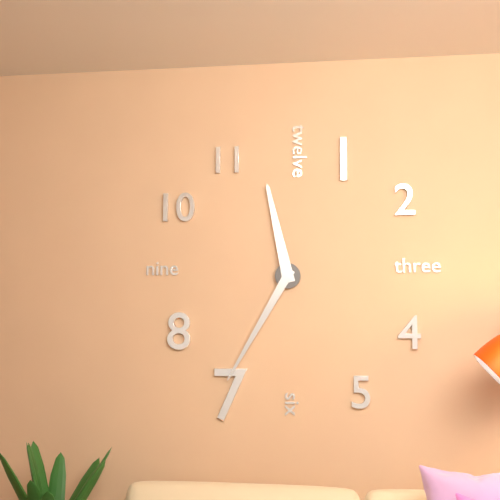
{"hour": 11, "minute": 35}
